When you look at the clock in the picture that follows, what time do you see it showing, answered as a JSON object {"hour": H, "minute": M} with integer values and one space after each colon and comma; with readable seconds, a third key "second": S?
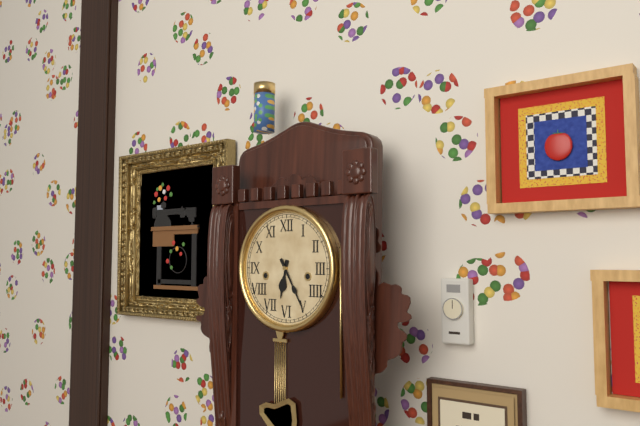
{"hour": 6, "minute": 25}
